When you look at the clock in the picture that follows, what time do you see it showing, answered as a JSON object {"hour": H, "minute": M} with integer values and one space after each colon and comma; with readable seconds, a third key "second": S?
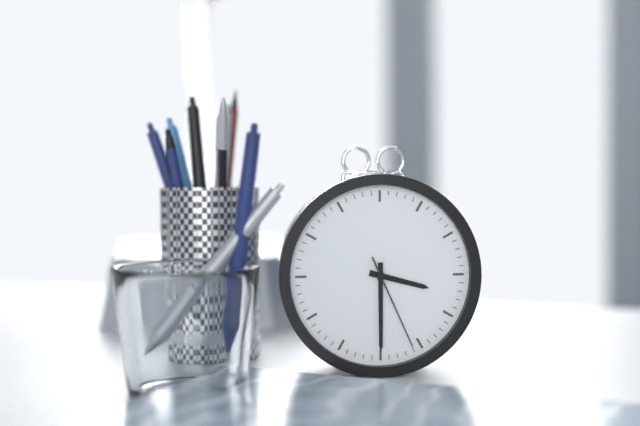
{"hour": 3, "minute": 30, "second": 26}
